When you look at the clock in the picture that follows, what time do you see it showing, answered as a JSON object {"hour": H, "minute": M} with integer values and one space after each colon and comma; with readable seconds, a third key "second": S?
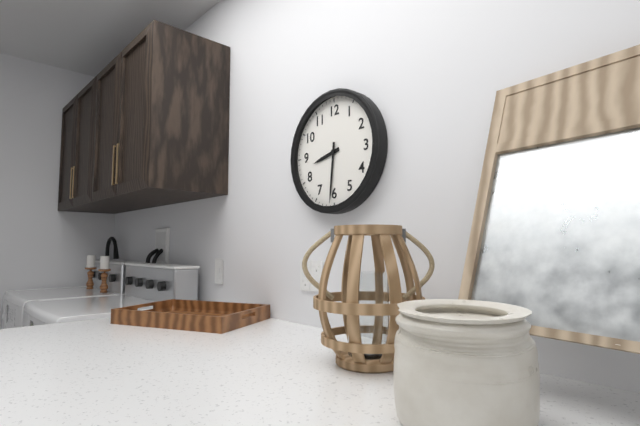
{"hour": 8, "minute": 31}
